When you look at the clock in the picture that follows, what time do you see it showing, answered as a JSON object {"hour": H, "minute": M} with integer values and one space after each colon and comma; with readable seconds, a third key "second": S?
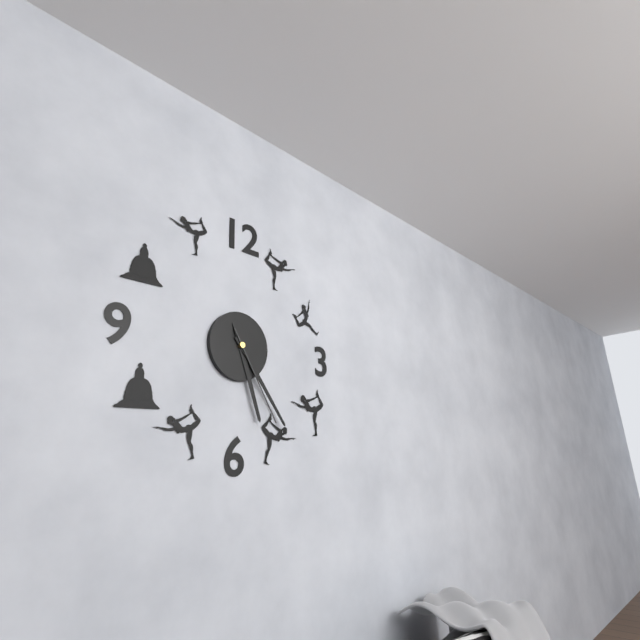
{"hour": 5, "minute": 24, "second": 25}
